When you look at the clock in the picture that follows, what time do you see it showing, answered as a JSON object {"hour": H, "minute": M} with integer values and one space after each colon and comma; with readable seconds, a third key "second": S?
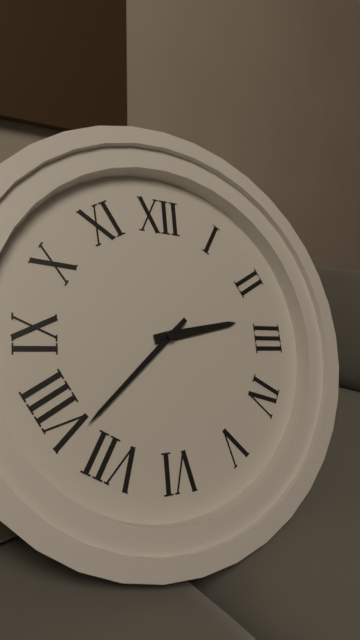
{"hour": 2, "minute": 38}
